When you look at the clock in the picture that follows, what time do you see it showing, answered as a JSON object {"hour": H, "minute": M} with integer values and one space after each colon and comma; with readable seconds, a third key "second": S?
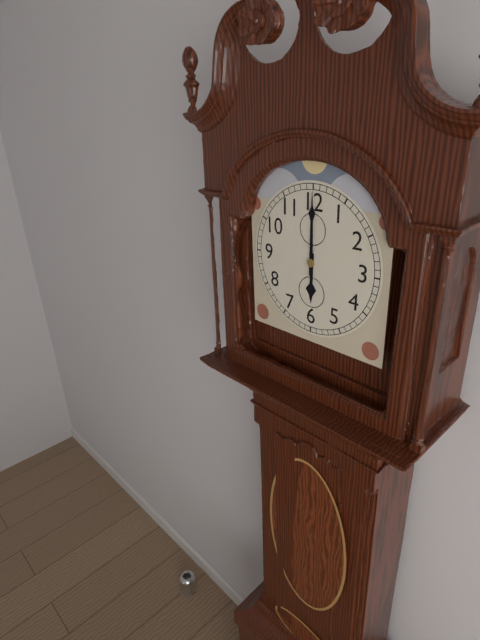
{"hour": 6, "minute": 0}
